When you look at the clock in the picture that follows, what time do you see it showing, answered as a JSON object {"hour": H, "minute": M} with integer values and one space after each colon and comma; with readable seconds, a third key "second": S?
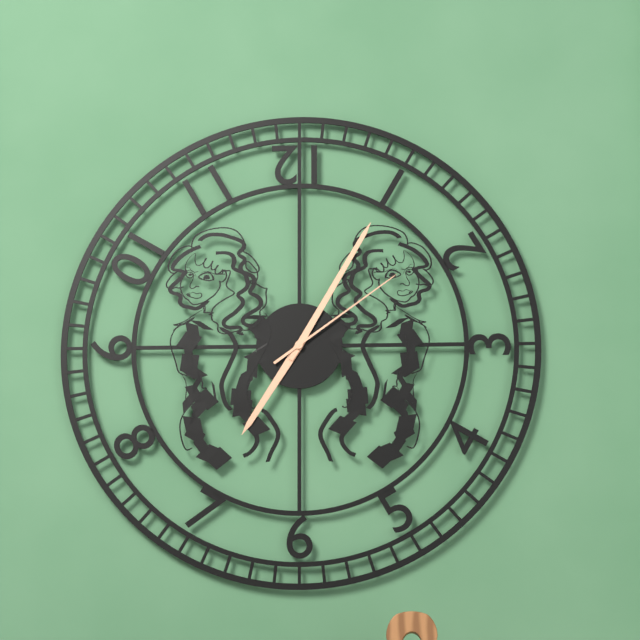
{"hour": 7, "minute": 5, "second": 9}
